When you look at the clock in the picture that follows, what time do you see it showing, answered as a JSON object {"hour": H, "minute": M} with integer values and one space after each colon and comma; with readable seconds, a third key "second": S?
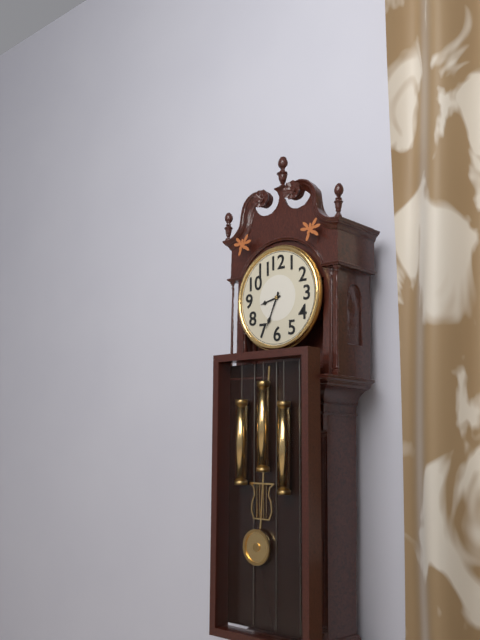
{"hour": 8, "minute": 34}
